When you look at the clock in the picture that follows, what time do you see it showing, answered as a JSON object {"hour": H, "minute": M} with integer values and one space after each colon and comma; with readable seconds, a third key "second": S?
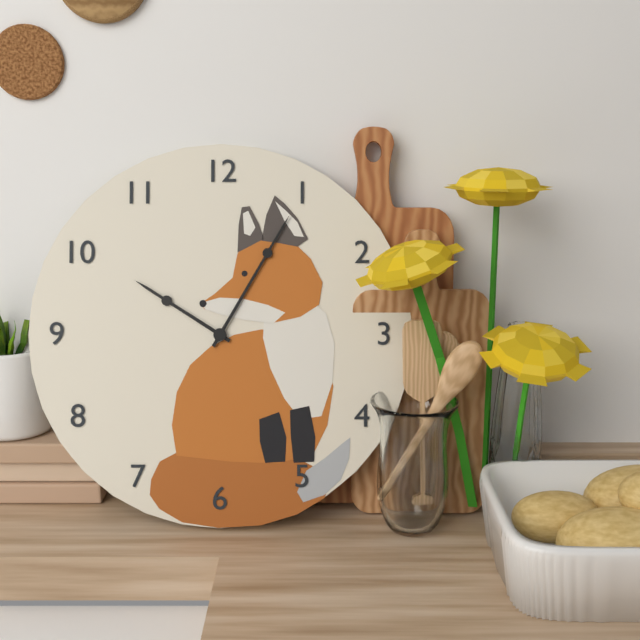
{"hour": 10, "minute": 5}
